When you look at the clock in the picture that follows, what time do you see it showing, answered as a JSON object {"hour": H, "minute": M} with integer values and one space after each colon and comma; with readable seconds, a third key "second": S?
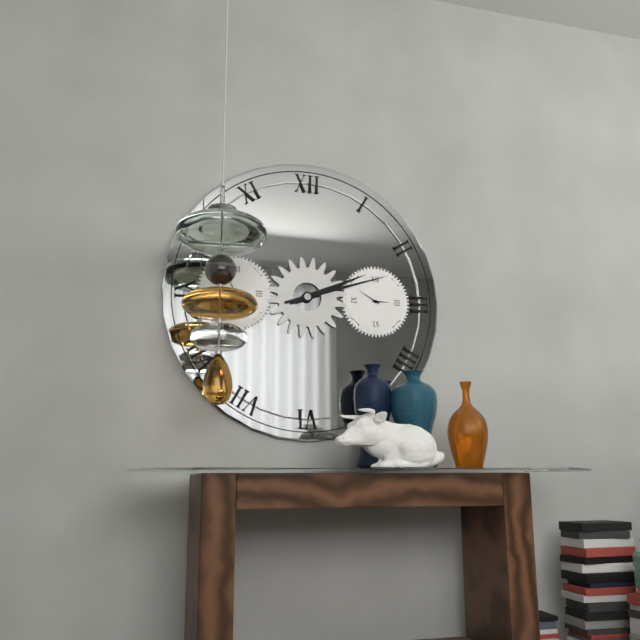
{"hour": 2, "minute": 12}
